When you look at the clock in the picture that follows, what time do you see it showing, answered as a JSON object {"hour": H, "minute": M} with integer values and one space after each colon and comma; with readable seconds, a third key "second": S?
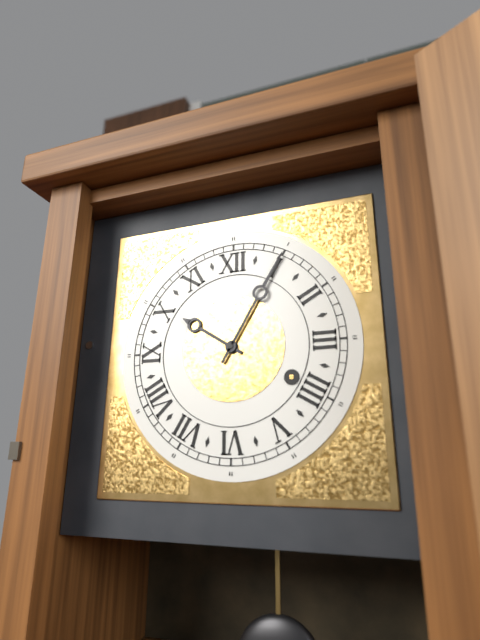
{"hour": 10, "minute": 5}
